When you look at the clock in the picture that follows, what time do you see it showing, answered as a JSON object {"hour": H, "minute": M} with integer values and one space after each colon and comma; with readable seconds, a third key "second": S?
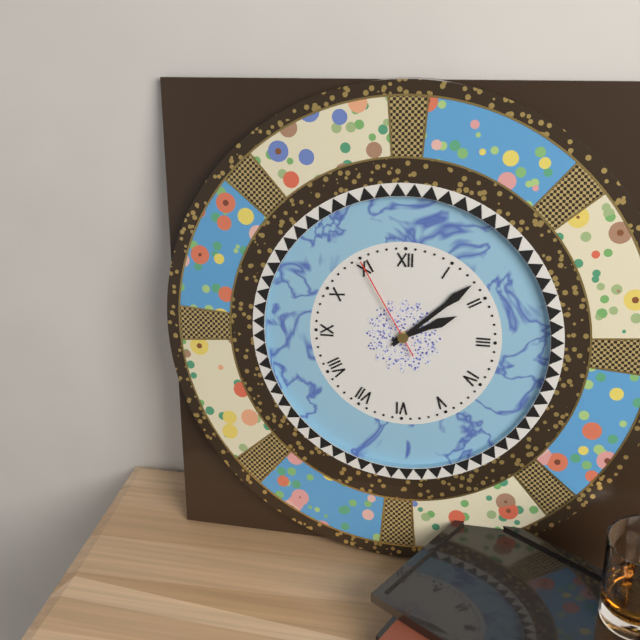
{"hour": 2, "minute": 8, "second": 55}
